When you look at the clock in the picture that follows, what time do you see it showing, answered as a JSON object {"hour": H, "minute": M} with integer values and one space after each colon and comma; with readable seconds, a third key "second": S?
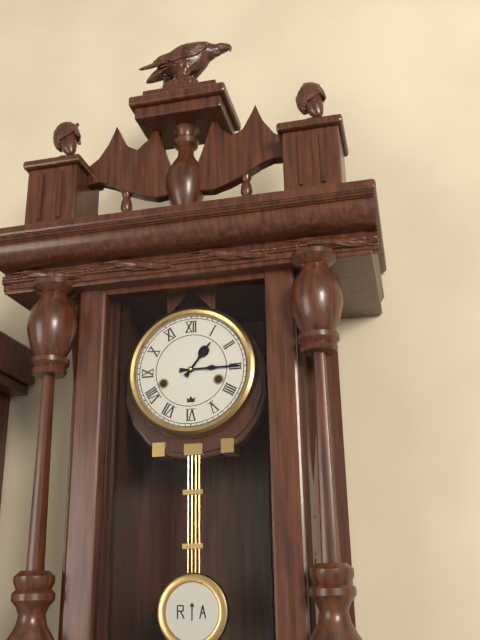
{"hour": 1, "minute": 15}
